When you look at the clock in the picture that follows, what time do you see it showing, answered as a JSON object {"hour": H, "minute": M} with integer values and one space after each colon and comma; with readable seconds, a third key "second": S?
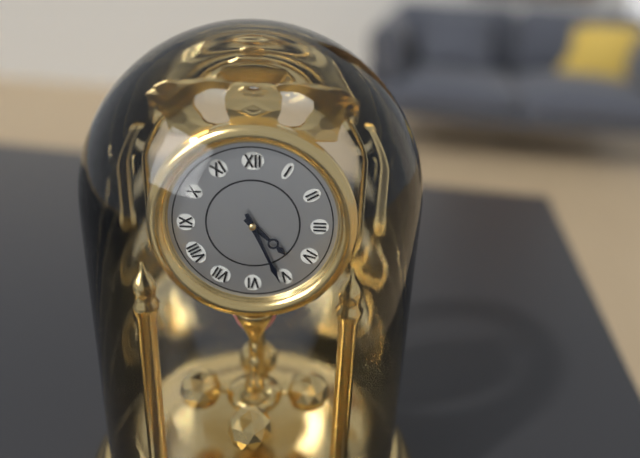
{"hour": 4, "minute": 26}
